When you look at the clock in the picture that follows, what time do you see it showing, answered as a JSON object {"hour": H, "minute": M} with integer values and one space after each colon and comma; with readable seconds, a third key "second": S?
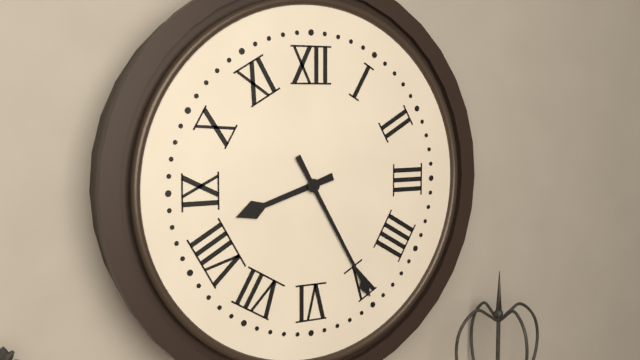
{"hour": 8, "minute": 25}
